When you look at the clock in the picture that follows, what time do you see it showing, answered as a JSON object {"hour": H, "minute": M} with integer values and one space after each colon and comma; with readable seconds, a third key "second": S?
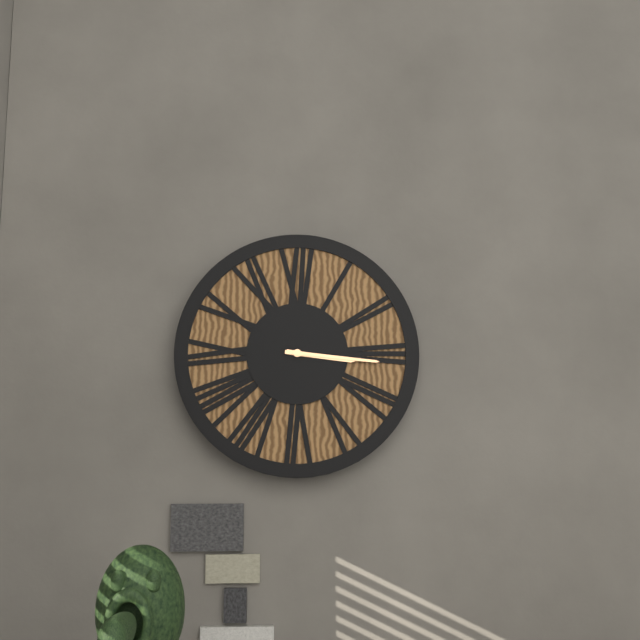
{"hour": 3, "minute": 16}
